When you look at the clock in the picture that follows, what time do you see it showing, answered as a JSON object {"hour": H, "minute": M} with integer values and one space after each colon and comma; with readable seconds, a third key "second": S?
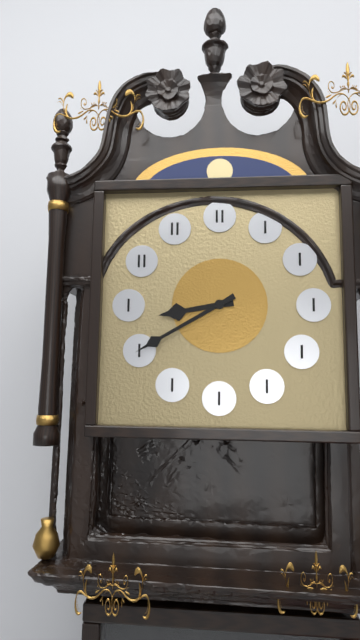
{"hour": 8, "minute": 40}
